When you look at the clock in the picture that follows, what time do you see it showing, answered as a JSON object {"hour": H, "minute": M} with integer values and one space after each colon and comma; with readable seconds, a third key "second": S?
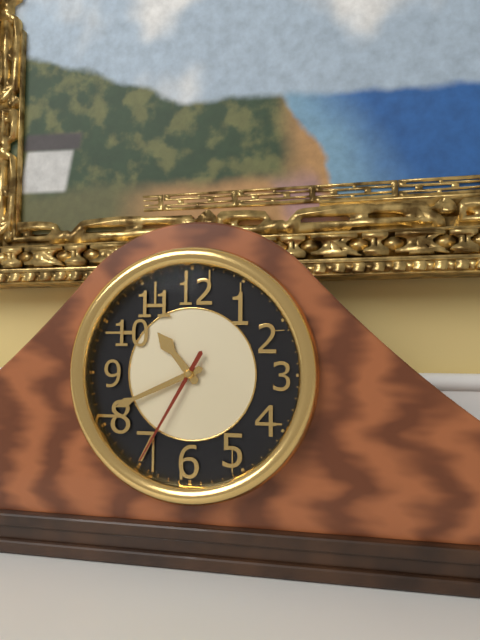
{"hour": 10, "minute": 41, "second": 35}
